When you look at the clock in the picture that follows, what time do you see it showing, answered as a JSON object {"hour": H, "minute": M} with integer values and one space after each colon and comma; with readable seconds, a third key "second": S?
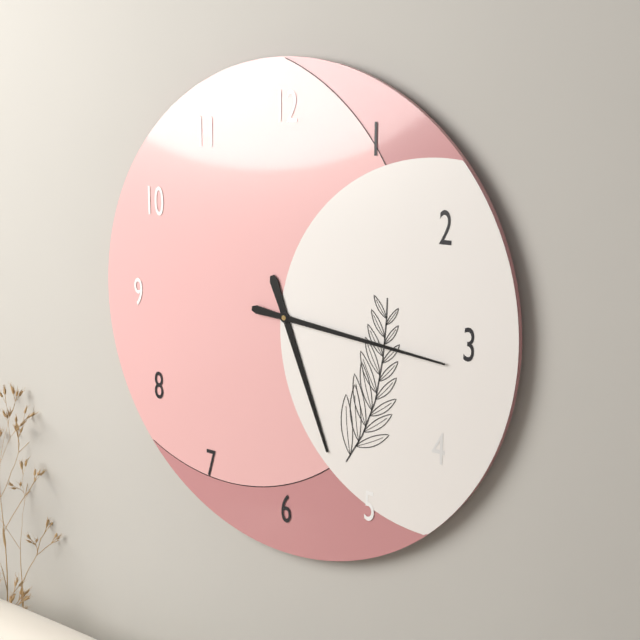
{"hour": 5, "minute": 16}
